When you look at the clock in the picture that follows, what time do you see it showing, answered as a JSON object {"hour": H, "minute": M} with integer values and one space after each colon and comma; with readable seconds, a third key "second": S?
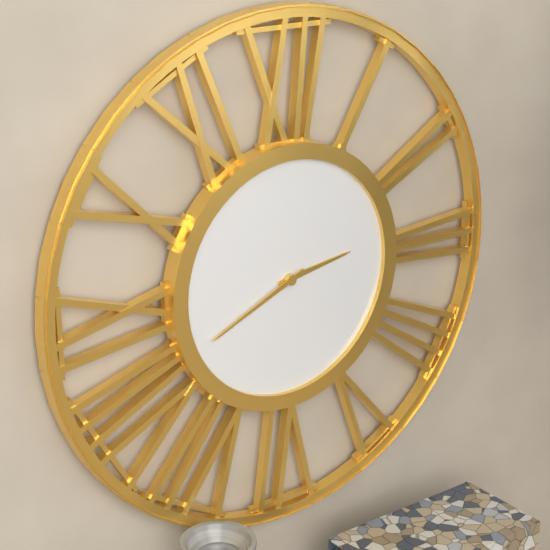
{"hour": 2, "minute": 41}
